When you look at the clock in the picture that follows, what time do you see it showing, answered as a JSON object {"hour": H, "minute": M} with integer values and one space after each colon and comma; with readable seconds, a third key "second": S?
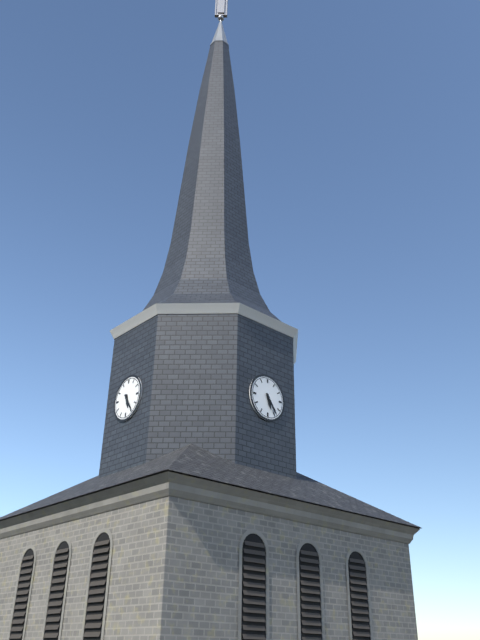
{"hour": 5, "minute": 24}
